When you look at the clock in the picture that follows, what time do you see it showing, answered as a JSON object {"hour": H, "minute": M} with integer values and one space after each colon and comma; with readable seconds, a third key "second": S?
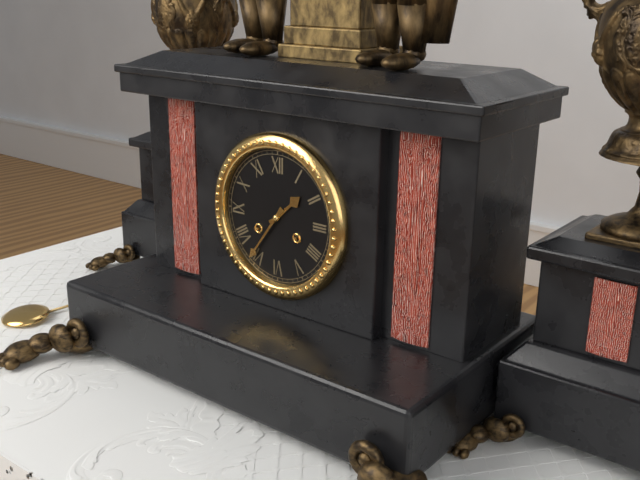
{"hour": 1, "minute": 36}
